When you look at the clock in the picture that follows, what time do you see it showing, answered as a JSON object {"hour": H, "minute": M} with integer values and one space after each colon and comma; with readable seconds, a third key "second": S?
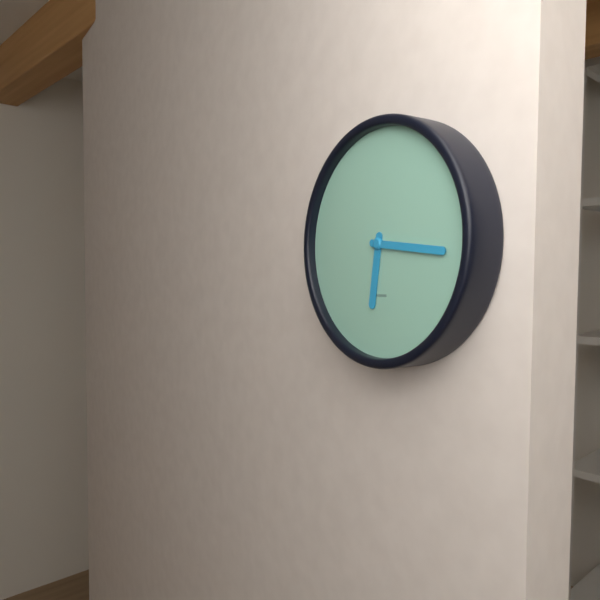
{"hour": 6, "minute": 16}
